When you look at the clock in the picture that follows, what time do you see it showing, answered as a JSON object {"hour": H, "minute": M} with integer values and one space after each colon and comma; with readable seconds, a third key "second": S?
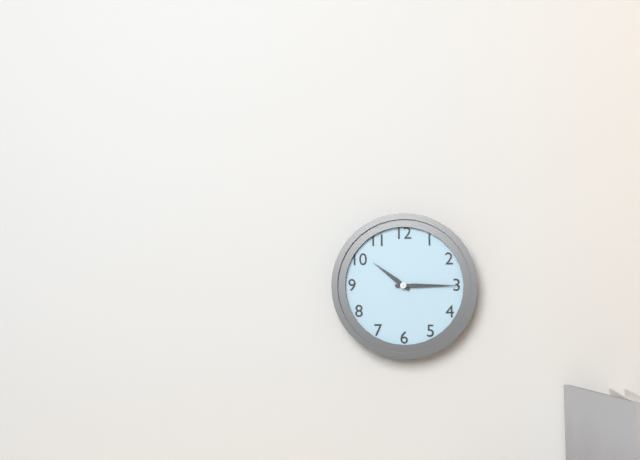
{"hour": 10, "minute": 15}
